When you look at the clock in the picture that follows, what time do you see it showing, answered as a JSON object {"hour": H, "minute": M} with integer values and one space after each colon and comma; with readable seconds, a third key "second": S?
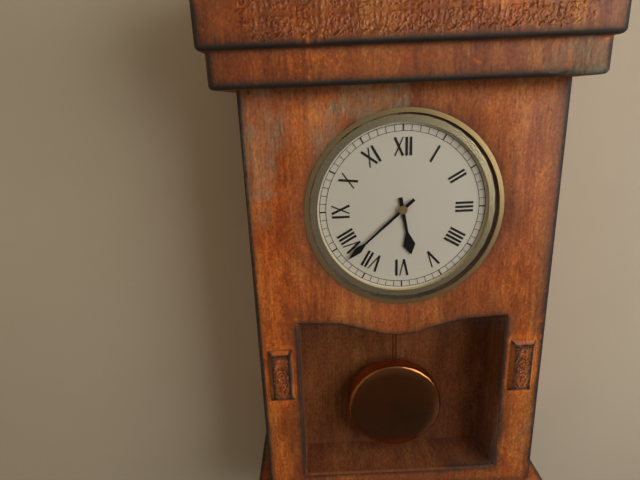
{"hour": 5, "minute": 38}
